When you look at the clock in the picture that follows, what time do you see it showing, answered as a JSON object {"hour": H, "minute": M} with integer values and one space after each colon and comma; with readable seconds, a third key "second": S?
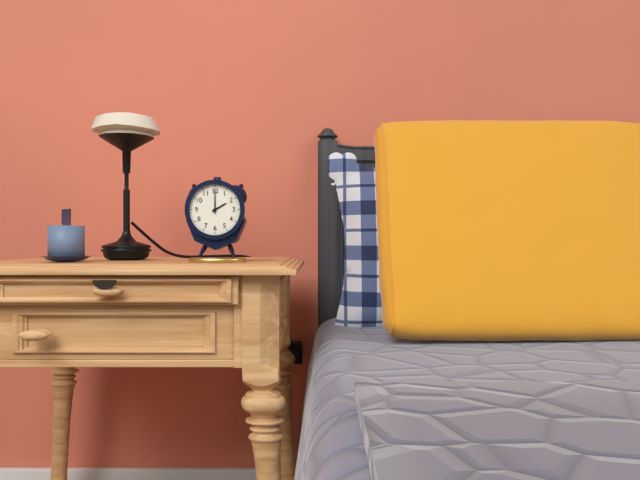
{"hour": 2, "minute": 0}
